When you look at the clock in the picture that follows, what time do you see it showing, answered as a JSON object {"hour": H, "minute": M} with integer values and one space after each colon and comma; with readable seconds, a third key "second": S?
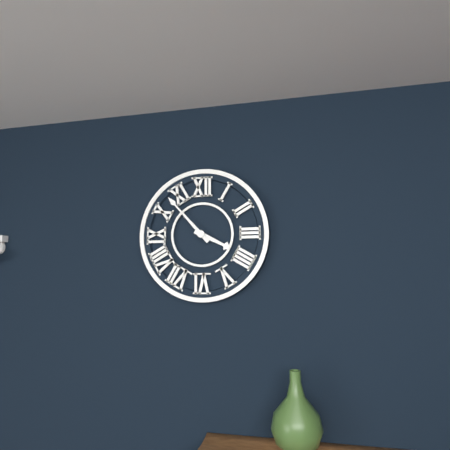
{"hour": 3, "minute": 53}
